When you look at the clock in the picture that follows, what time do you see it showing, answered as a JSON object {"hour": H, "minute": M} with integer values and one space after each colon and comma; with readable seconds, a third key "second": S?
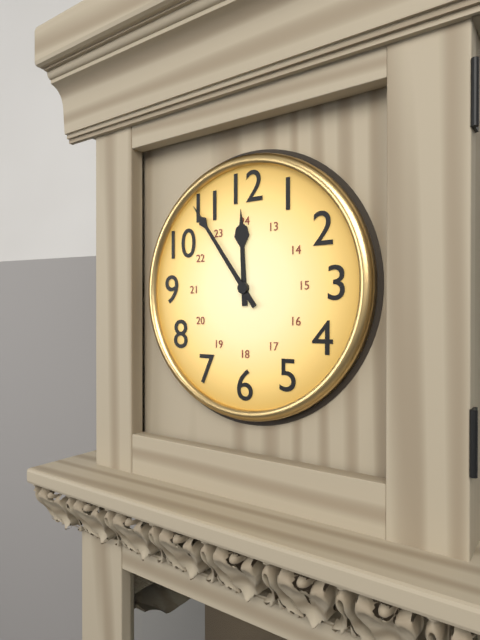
{"hour": 11, "minute": 54}
